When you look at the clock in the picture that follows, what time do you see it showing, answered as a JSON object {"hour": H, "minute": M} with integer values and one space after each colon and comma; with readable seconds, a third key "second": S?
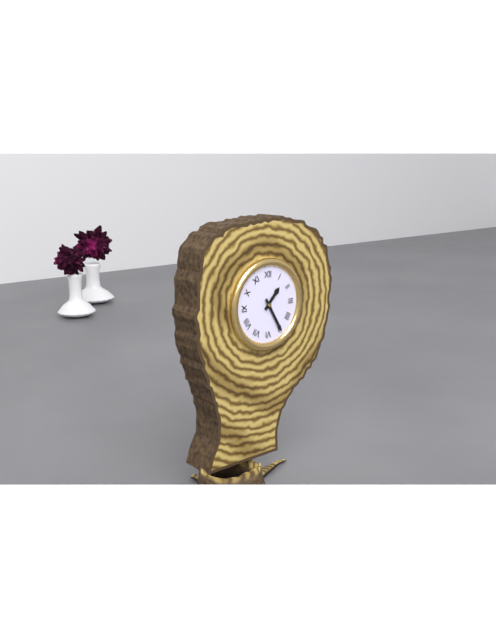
{"hour": 1, "minute": 25}
